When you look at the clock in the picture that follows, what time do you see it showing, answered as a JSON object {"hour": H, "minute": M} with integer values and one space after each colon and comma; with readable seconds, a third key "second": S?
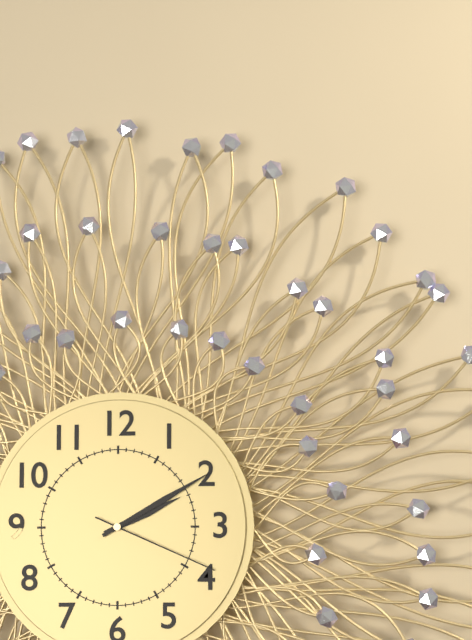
{"hour": 2, "minute": 10, "second": 19}
